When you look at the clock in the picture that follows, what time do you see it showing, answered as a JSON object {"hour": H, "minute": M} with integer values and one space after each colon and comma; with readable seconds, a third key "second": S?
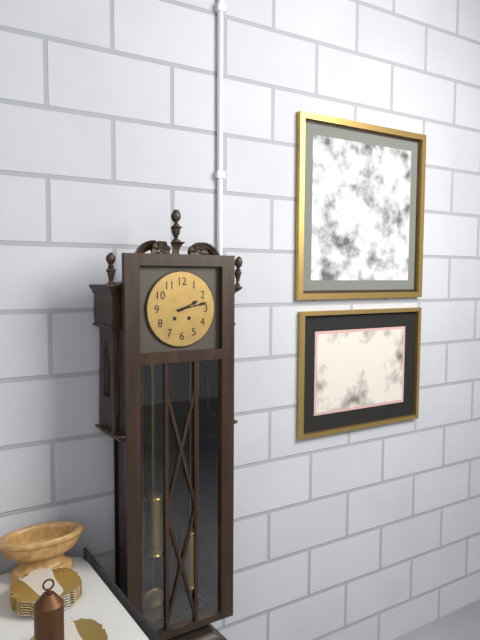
{"hour": 2, "minute": 13}
